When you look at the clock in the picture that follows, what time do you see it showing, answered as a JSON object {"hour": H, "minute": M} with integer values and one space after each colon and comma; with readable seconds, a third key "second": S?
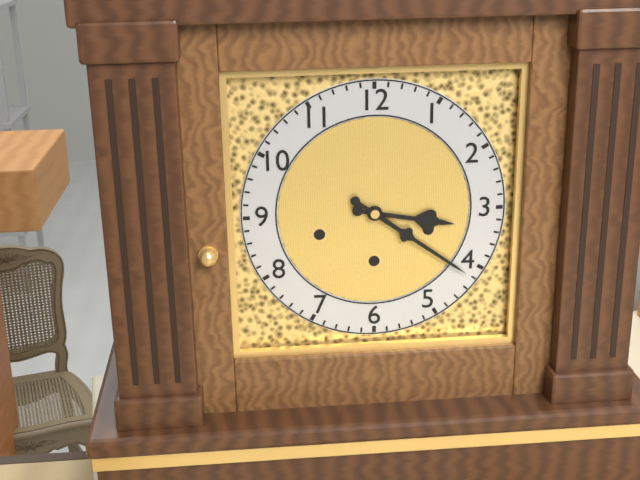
{"hour": 3, "minute": 21}
